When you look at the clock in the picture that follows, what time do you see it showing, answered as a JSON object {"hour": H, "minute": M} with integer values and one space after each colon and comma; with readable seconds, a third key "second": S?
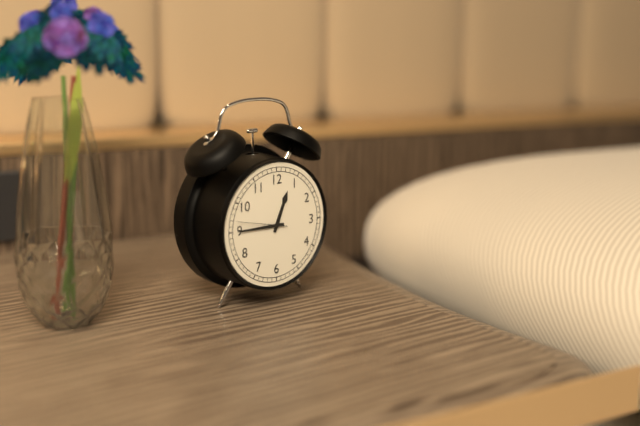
{"hour": 12, "minute": 45, "second": 47}
